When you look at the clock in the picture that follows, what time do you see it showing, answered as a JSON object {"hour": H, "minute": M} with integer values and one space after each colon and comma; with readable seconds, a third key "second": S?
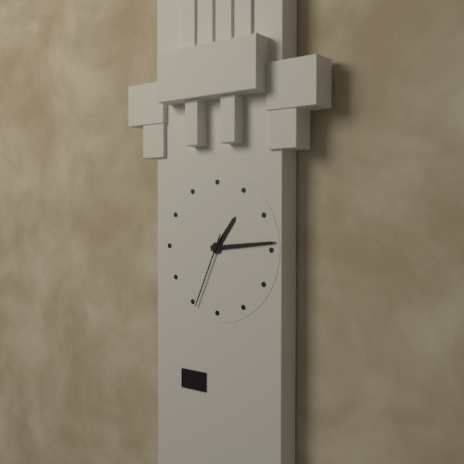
{"hour": 1, "minute": 14, "second": 34}
